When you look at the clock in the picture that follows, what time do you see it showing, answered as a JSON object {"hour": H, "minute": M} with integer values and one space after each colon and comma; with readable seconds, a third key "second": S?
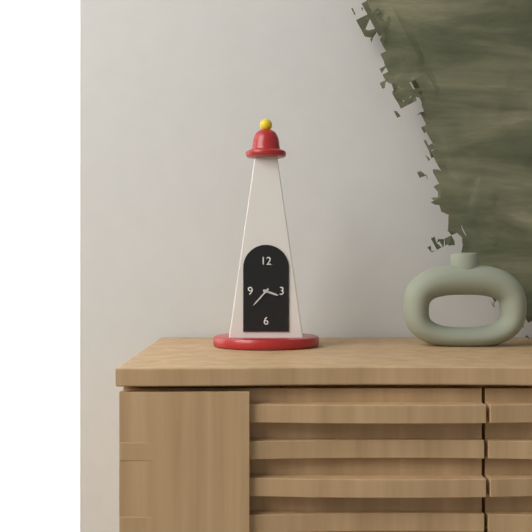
{"hour": 3, "minute": 37}
